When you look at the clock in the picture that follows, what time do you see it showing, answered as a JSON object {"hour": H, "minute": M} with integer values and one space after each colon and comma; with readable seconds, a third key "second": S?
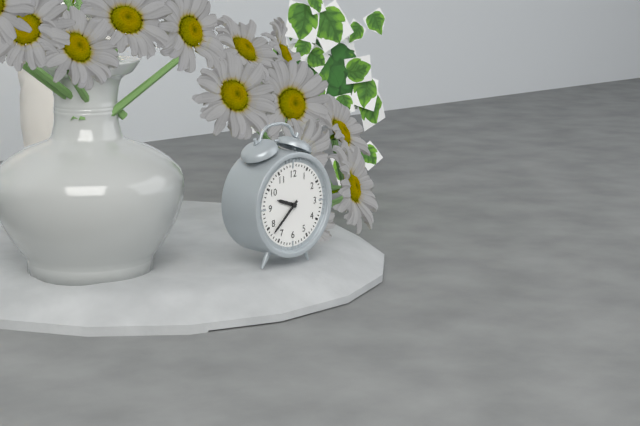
{"hour": 9, "minute": 38}
